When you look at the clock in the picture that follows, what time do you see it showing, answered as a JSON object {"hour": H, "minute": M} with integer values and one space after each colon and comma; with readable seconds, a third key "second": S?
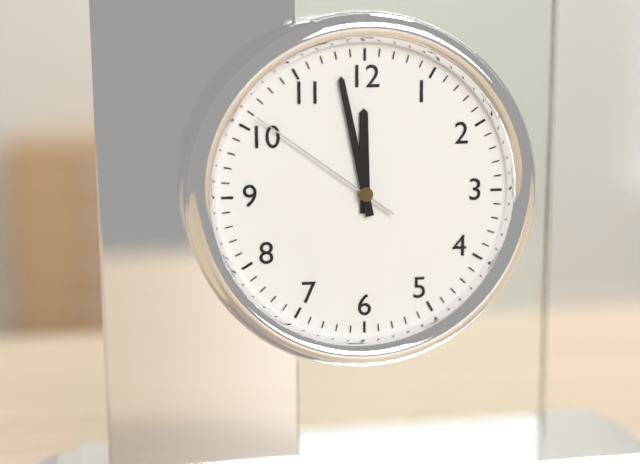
{"hour": 11, "minute": 58, "second": 51}
